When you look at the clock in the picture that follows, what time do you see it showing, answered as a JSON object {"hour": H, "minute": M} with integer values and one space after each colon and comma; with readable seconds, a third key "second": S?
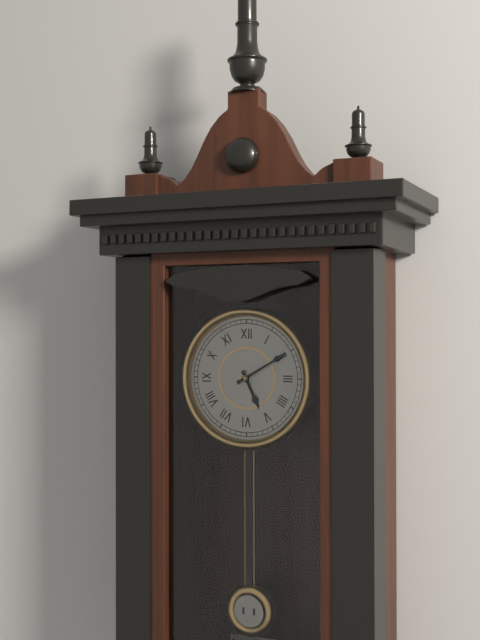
{"hour": 5, "minute": 10}
